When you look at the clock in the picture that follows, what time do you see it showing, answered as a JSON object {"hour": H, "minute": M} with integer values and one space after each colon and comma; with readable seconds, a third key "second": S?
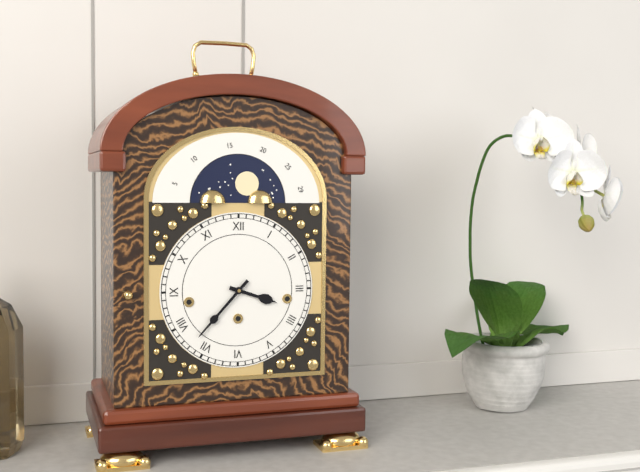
{"hour": 3, "minute": 37}
